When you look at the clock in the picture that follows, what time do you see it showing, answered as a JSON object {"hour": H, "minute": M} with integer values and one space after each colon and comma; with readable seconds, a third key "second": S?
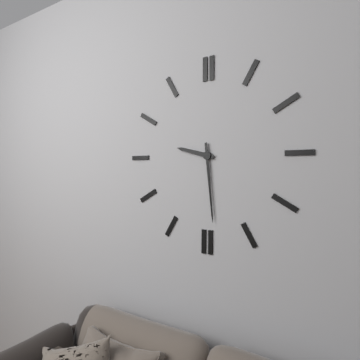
{"hour": 9, "minute": 29}
